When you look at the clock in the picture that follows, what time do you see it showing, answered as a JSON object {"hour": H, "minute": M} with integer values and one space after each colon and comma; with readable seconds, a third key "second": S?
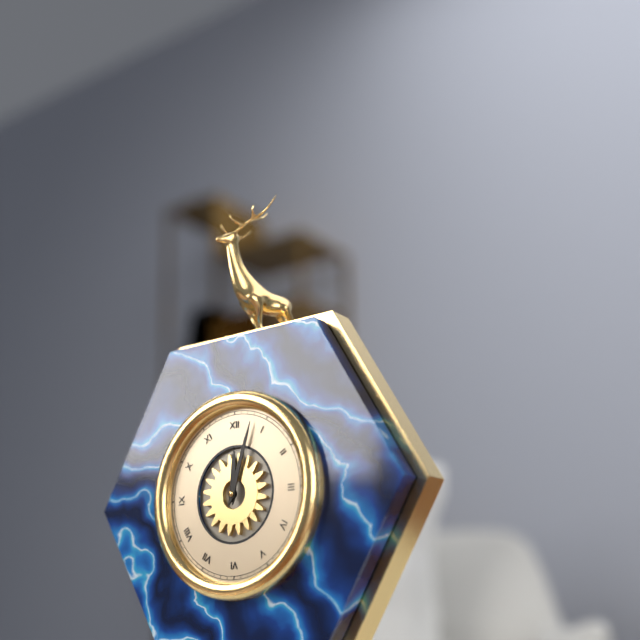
{"hour": 12, "minute": 3}
